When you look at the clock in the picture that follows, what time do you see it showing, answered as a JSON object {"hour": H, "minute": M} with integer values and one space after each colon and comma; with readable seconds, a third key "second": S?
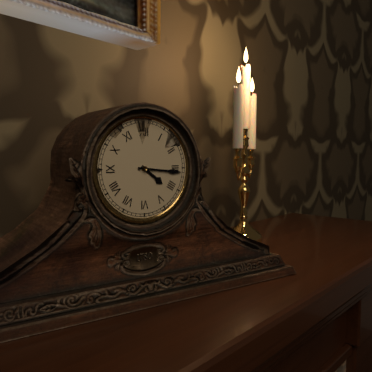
{"hour": 4, "minute": 16}
